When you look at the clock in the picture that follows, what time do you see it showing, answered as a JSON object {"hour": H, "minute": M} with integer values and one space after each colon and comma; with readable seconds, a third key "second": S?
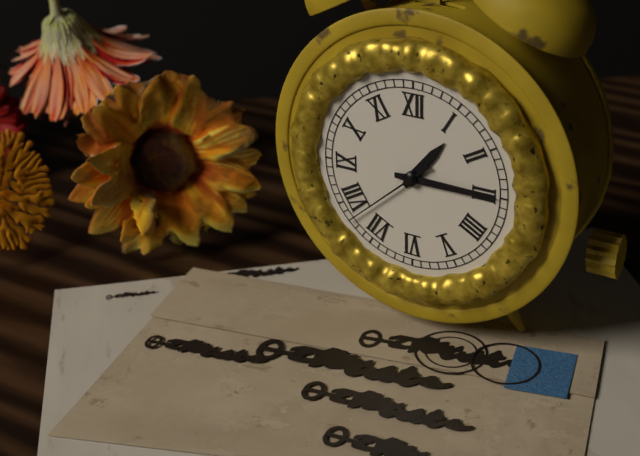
{"hour": 1, "minute": 15, "second": 38}
